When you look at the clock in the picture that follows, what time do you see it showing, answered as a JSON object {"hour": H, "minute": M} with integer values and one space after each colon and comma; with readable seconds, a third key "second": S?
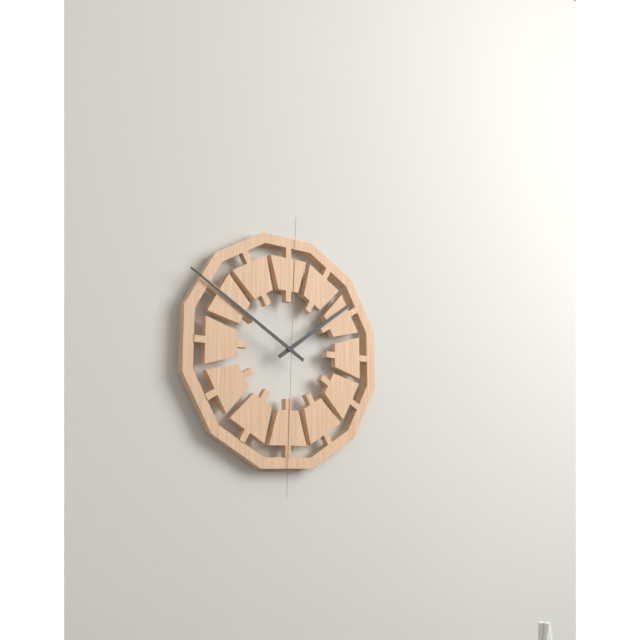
{"hour": 1, "minute": 50}
